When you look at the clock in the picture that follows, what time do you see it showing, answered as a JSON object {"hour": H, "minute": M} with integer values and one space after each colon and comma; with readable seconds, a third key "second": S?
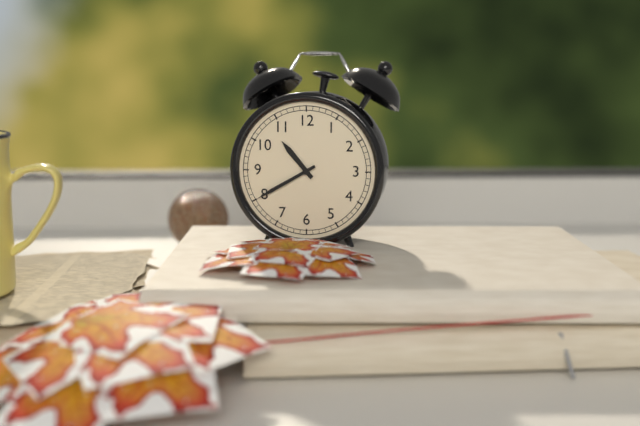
{"hour": 10, "minute": 40}
